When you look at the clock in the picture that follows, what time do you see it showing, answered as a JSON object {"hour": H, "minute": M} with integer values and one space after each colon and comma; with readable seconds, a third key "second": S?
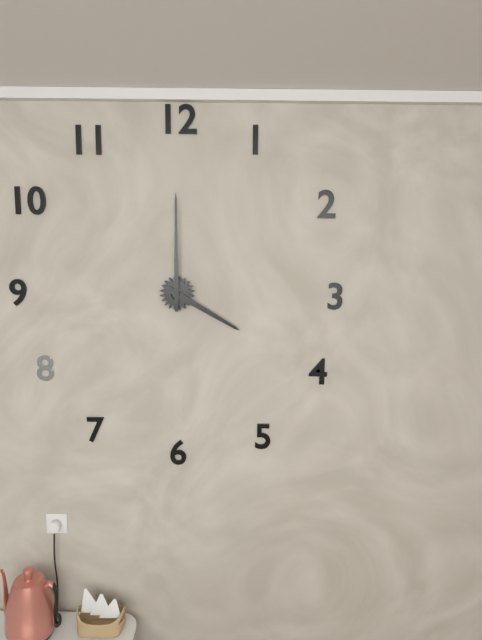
{"hour": 4, "minute": 0}
